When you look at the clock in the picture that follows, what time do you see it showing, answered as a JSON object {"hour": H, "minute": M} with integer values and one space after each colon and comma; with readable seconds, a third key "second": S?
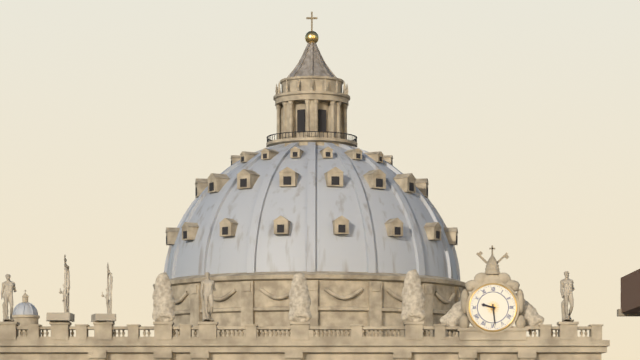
{"hour": 9, "minute": 29}
